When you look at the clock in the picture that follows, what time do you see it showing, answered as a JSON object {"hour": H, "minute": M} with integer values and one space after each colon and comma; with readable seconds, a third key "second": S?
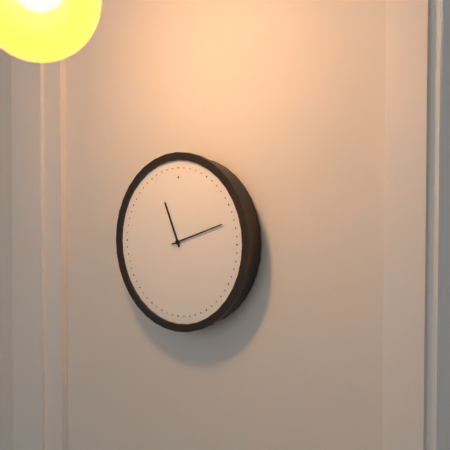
{"hour": 11, "minute": 12}
